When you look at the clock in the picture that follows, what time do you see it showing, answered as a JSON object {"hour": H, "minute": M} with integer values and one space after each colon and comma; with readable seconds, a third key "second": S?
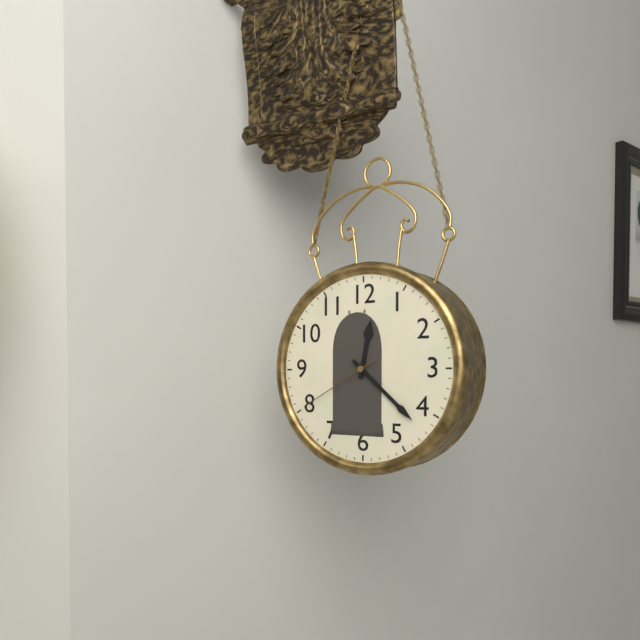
{"hour": 12, "minute": 22, "second": 40}
